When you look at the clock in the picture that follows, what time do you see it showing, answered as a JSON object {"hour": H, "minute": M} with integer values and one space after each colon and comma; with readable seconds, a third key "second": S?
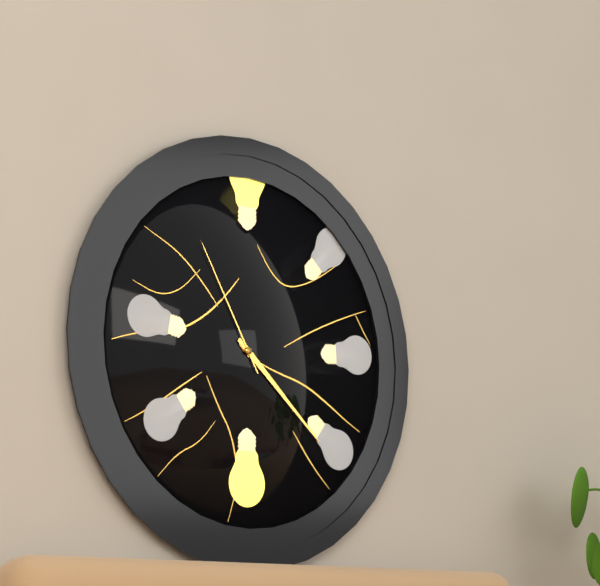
{"hour": 4, "minute": 22, "second": 55}
